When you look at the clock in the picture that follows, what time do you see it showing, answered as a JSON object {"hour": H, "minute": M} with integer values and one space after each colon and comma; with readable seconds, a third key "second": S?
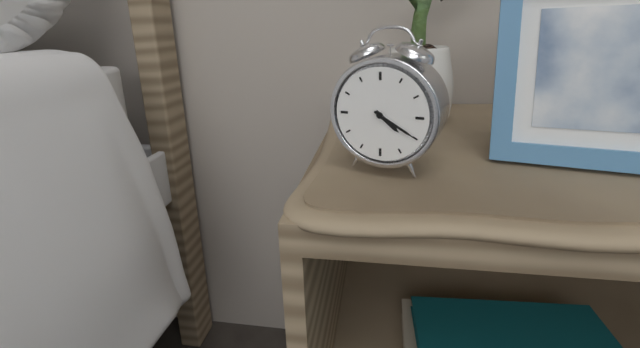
{"hour": 4, "minute": 20}
